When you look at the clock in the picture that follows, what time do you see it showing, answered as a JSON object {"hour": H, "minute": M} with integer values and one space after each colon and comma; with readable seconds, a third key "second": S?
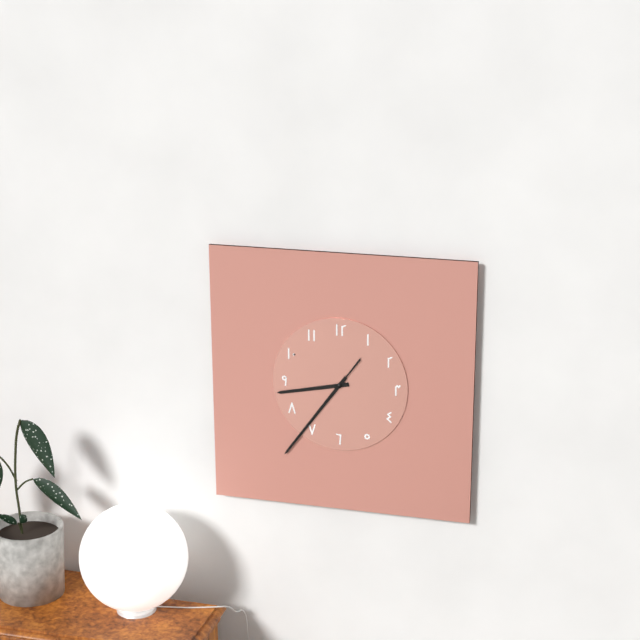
{"hour": 8, "minute": 36, "second": 36}
